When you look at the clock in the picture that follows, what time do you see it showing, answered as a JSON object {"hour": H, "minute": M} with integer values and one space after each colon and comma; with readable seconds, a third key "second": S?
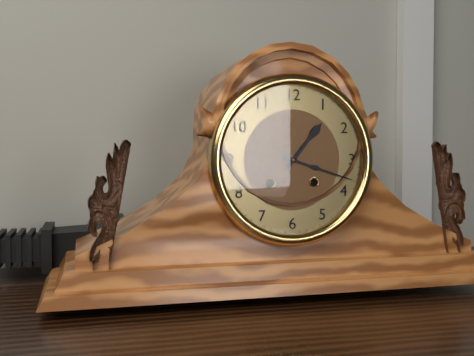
{"hour": 1, "minute": 18}
